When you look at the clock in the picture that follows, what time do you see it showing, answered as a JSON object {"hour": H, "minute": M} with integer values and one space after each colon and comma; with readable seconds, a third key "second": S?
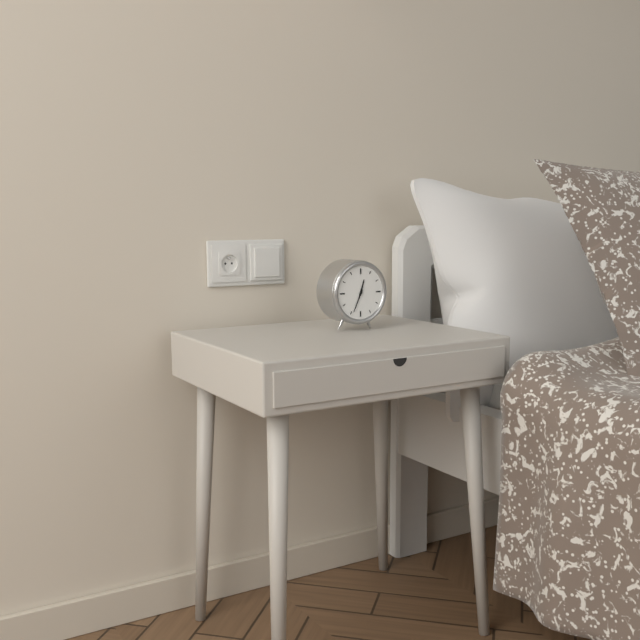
{"hour": 12, "minute": 34}
